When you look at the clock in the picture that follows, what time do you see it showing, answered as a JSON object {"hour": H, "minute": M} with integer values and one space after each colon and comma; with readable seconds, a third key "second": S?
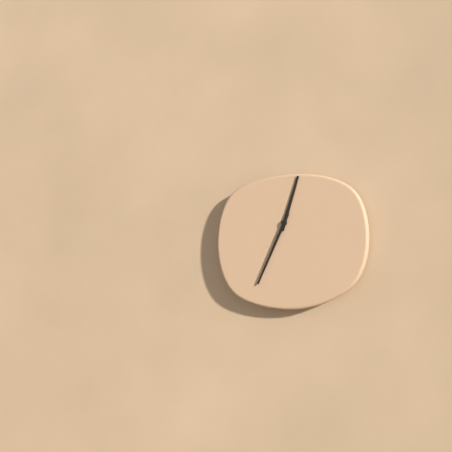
{"hour": 12, "minute": 34}
